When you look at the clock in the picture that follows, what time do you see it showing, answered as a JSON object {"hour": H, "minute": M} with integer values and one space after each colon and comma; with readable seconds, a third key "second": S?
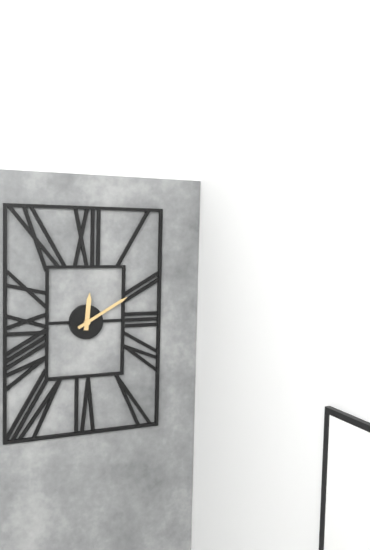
{"hour": 12, "minute": 10}
